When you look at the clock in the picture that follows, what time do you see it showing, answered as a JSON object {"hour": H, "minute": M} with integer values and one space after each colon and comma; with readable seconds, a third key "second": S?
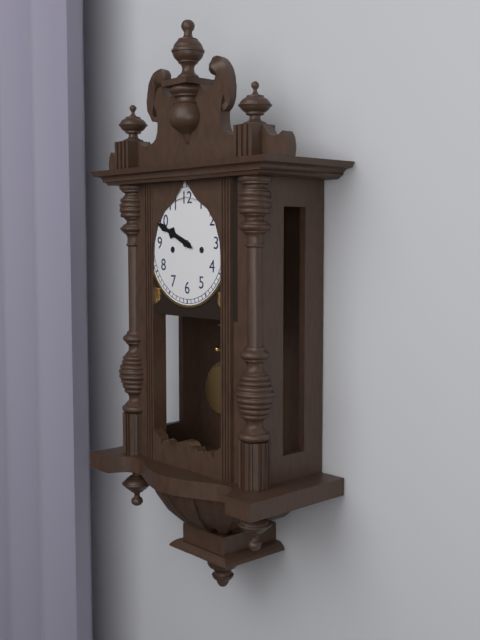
{"hour": 9, "minute": 49}
